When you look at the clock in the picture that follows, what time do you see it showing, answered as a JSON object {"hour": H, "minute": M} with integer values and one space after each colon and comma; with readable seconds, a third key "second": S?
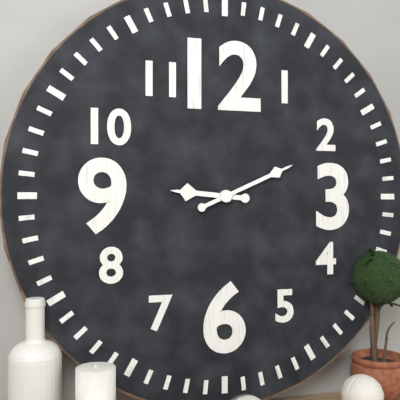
{"hour": 9, "minute": 11}
